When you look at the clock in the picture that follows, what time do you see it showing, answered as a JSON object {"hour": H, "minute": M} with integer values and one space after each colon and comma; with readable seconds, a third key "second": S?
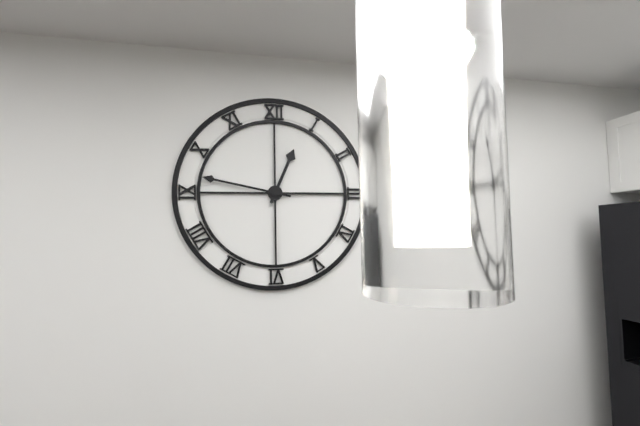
{"hour": 12, "minute": 47}
